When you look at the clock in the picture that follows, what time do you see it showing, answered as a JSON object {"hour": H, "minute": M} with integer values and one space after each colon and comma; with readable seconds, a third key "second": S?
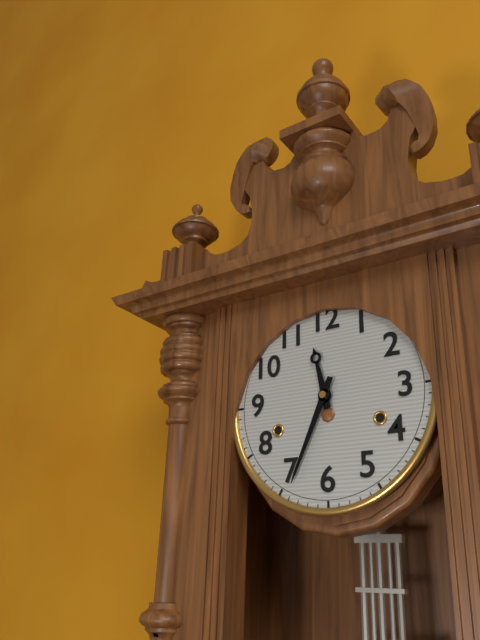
{"hour": 11, "minute": 34}
